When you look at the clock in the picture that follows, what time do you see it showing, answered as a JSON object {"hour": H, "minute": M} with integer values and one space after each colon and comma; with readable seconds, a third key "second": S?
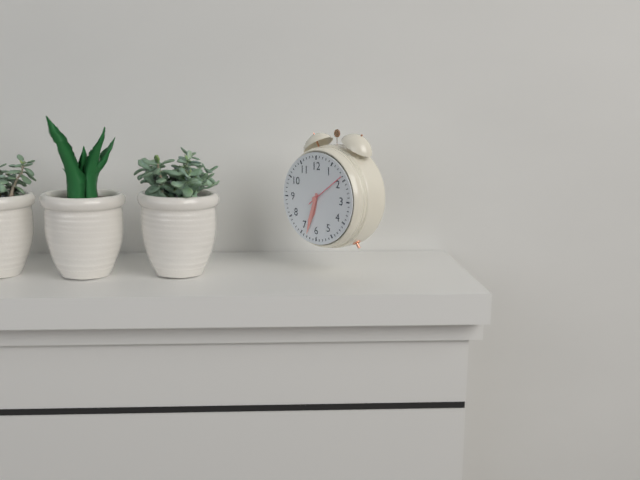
{"hour": 6, "minute": 33}
